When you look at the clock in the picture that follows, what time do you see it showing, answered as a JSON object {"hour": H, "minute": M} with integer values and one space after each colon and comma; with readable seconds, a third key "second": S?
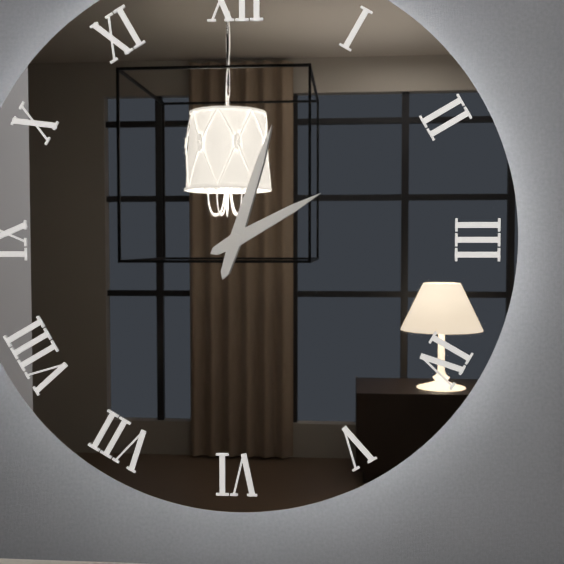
{"hour": 2, "minute": 3}
